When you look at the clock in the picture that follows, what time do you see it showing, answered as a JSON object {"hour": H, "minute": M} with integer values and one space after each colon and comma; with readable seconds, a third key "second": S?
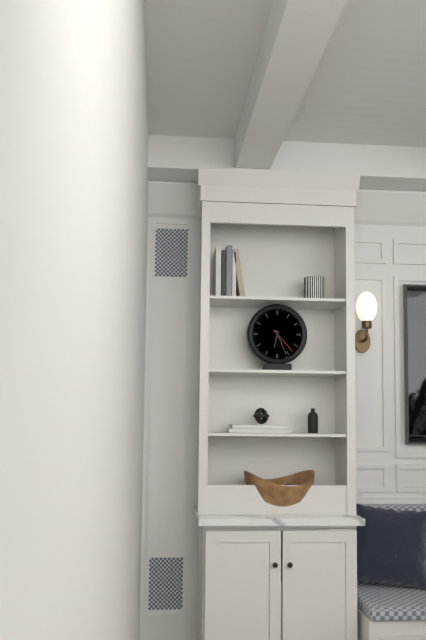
{"hour": 6, "minute": 26}
